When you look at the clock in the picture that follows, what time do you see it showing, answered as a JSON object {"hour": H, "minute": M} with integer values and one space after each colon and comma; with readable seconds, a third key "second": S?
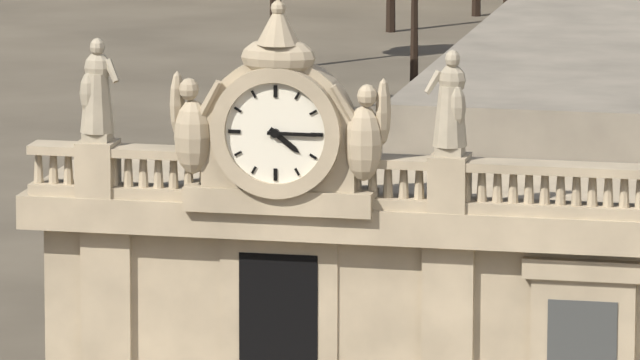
{"hour": 4, "minute": 15}
